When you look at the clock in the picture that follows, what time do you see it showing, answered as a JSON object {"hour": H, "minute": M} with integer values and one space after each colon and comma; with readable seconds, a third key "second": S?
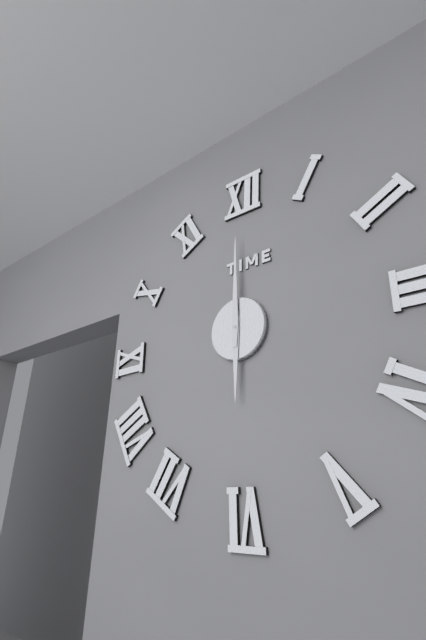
{"hour": 6, "minute": 0}
